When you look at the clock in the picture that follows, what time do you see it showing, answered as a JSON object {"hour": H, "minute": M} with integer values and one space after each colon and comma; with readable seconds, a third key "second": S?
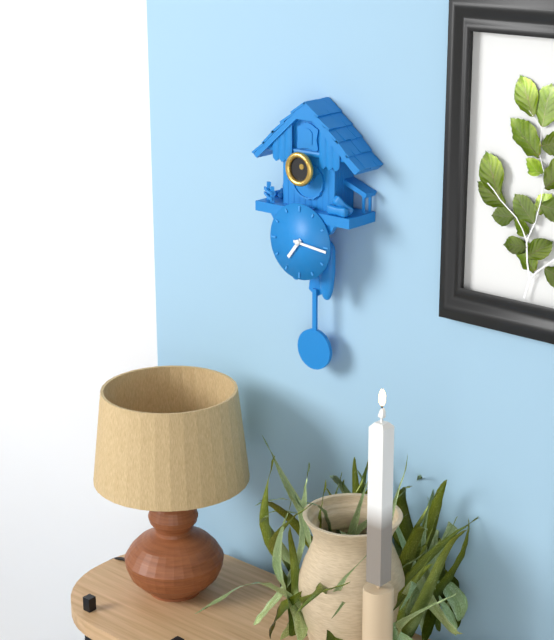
{"hour": 7, "minute": 16}
